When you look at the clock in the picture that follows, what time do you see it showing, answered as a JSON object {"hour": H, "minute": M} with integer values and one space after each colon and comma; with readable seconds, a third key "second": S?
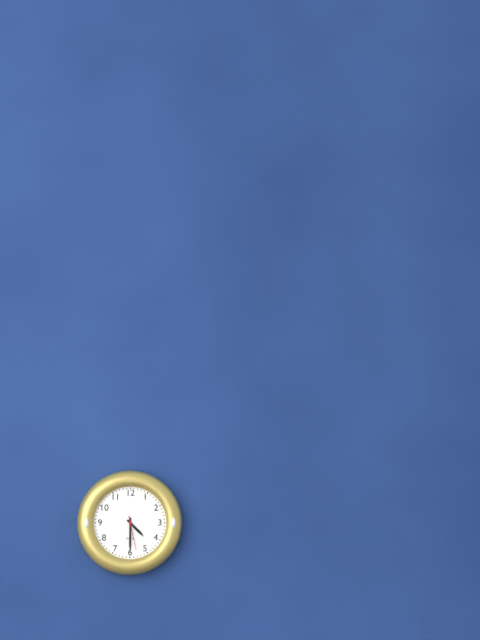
{"hour": 4, "minute": 30}
